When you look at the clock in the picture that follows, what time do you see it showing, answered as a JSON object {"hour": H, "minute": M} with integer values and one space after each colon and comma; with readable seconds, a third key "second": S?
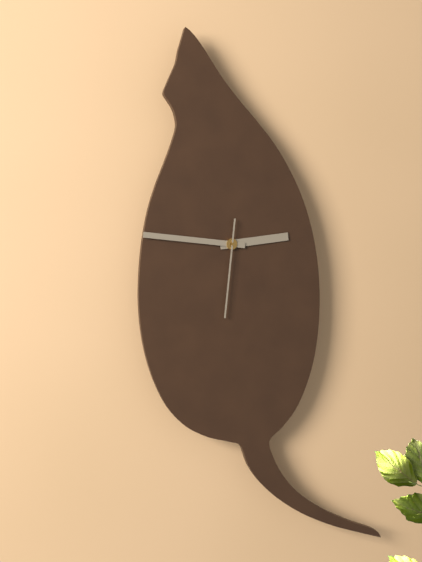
{"hour": 2, "minute": 46, "second": 31}
